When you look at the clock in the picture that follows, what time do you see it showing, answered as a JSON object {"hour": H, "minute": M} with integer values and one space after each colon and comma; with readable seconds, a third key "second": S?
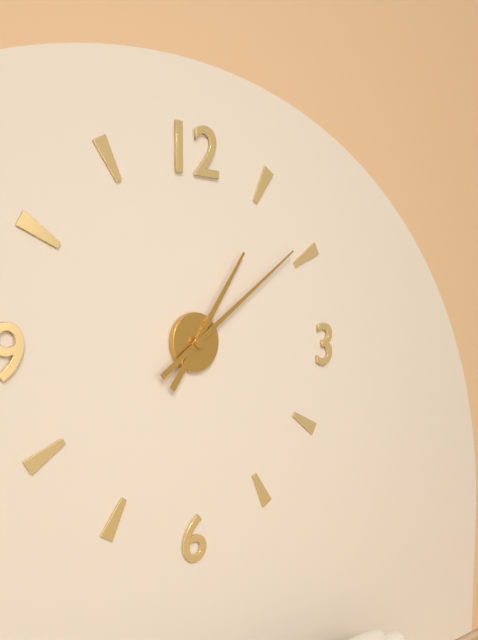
{"hour": 1, "minute": 9}
